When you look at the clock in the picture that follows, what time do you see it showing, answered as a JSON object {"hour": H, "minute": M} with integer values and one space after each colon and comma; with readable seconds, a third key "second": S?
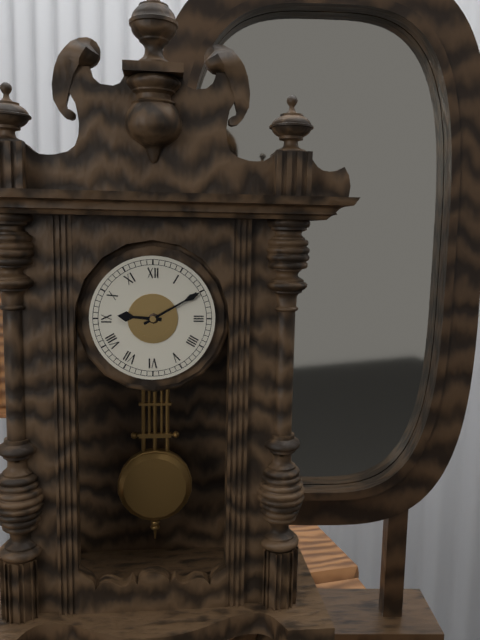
{"hour": 9, "minute": 10}
